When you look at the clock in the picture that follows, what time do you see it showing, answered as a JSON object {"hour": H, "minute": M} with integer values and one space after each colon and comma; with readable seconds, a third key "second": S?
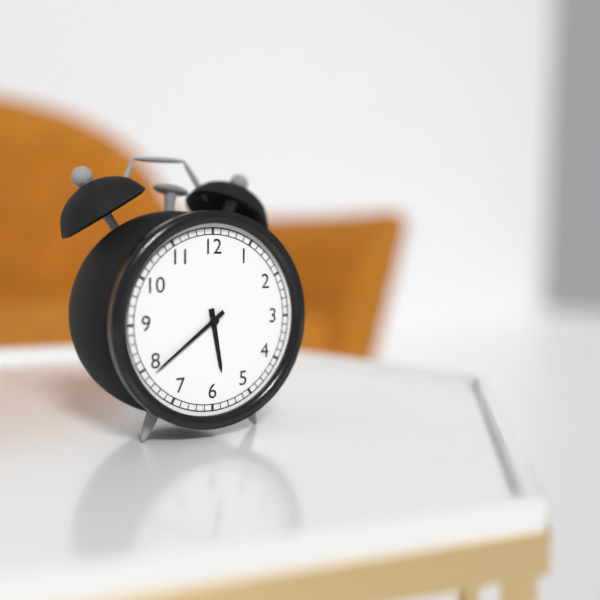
{"hour": 5, "minute": 39}
